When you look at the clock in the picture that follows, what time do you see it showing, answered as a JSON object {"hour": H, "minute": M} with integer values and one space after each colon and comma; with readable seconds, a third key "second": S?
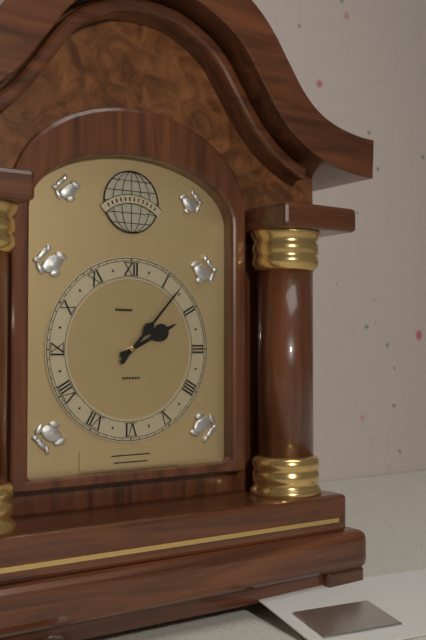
{"hour": 2, "minute": 7}
